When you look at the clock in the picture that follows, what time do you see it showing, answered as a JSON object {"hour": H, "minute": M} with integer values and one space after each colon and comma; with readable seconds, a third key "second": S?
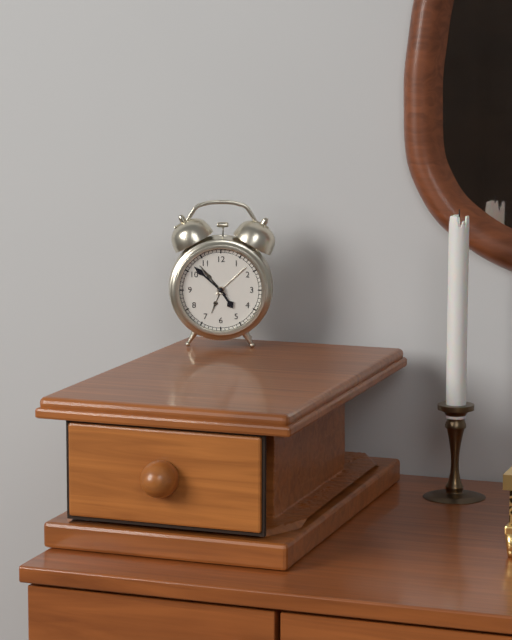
{"hour": 4, "minute": 52}
